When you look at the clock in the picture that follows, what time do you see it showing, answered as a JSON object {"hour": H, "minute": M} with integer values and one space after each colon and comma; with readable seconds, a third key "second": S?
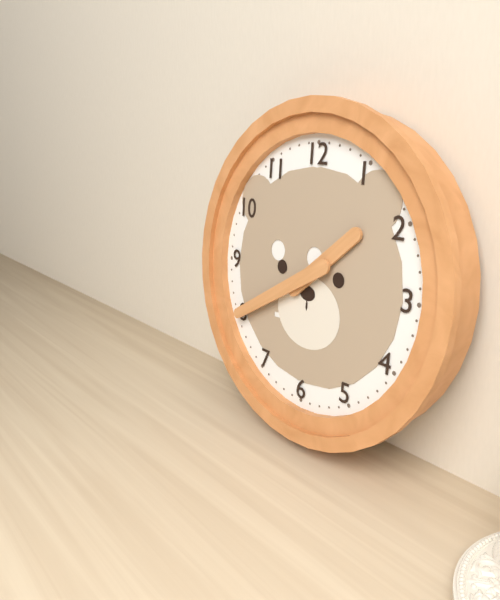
{"hour": 1, "minute": 40}
